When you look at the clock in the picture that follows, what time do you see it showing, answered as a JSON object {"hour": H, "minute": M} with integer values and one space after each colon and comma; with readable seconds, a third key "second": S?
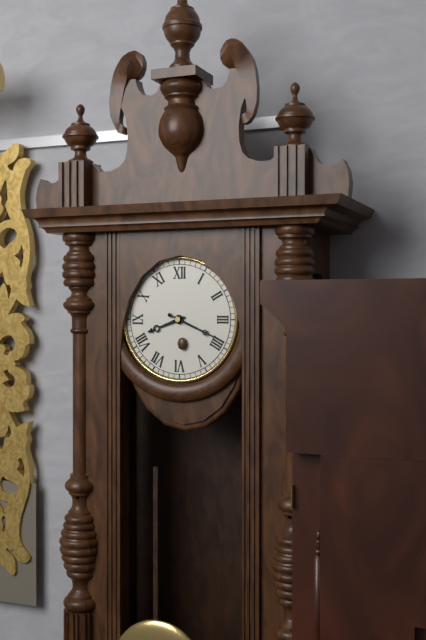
{"hour": 8, "minute": 19}
